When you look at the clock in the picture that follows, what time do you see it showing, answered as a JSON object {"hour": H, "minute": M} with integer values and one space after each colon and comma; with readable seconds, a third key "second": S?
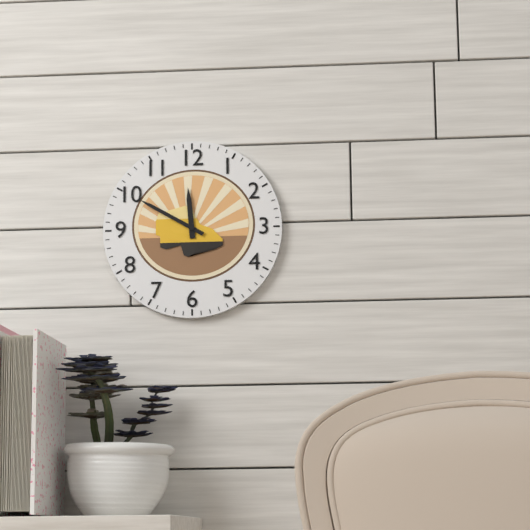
{"hour": 11, "minute": 50}
